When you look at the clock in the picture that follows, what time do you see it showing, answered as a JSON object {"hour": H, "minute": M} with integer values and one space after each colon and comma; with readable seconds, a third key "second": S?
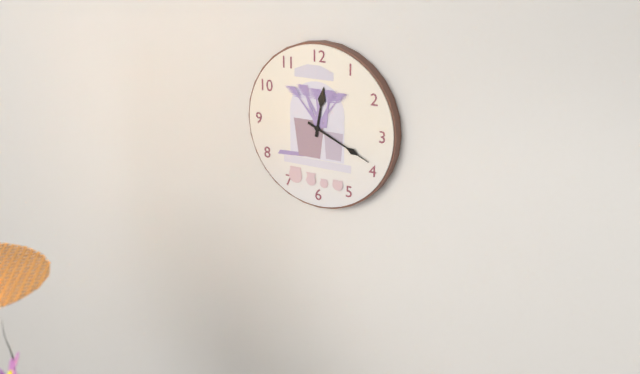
{"hour": 12, "minute": 19}
